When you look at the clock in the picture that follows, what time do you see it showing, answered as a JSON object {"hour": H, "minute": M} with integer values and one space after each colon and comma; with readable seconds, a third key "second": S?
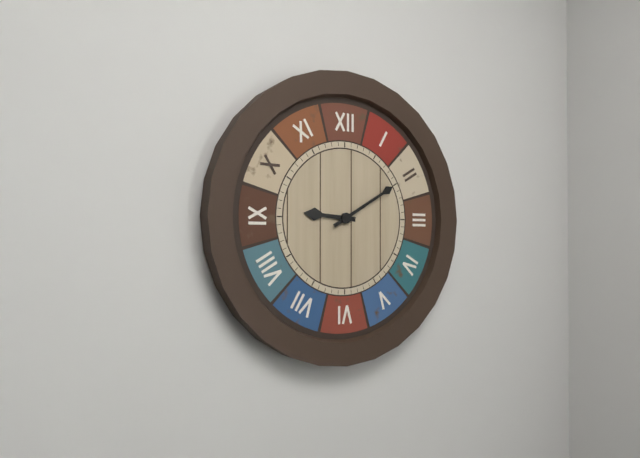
{"hour": 9, "minute": 10}
